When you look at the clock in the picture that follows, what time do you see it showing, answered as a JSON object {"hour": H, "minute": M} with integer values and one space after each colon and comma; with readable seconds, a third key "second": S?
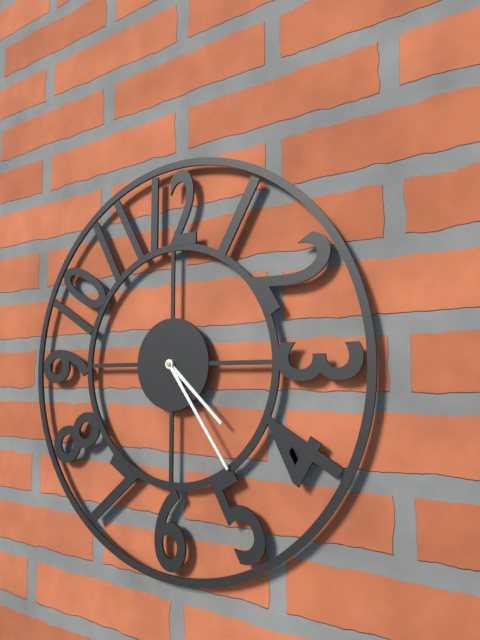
{"hour": 4, "minute": 24}
